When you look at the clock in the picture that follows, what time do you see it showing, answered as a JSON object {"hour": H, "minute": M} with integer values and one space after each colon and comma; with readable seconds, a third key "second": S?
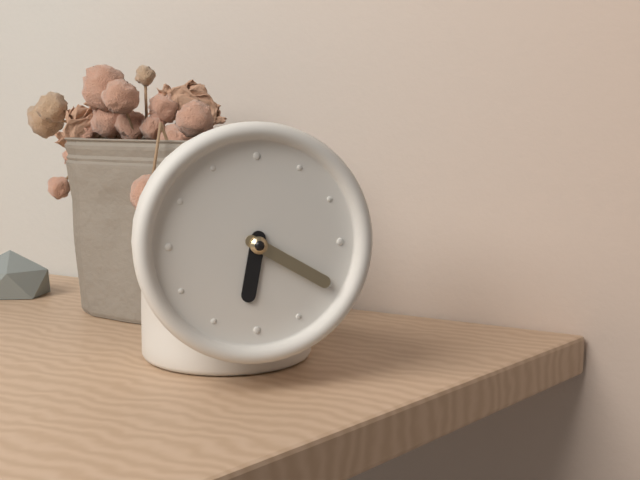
{"hour": 6, "minute": 20}
